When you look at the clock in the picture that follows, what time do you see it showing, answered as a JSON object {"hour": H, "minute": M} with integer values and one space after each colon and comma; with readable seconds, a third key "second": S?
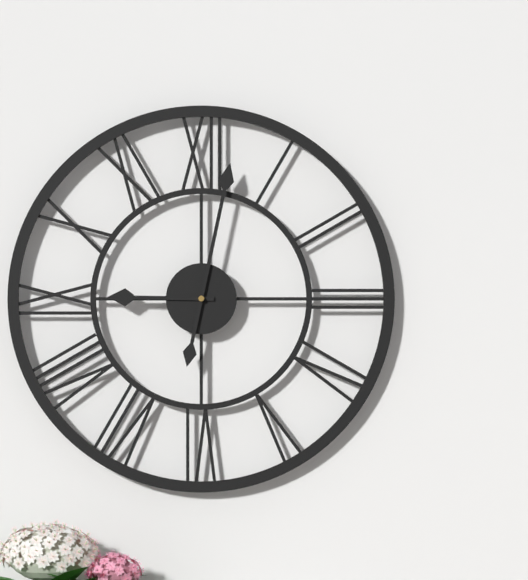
{"hour": 9, "minute": 2}
